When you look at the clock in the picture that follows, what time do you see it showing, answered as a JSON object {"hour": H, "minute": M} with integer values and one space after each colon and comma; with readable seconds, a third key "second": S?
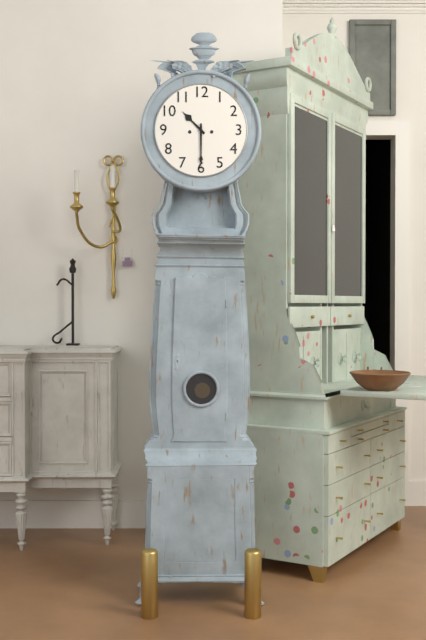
{"hour": 10, "minute": 30}
